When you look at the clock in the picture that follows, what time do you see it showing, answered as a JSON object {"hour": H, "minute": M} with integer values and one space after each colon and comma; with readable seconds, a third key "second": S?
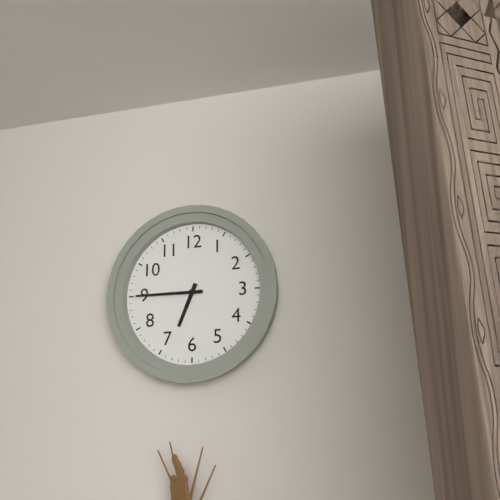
{"hour": 6, "minute": 45}
